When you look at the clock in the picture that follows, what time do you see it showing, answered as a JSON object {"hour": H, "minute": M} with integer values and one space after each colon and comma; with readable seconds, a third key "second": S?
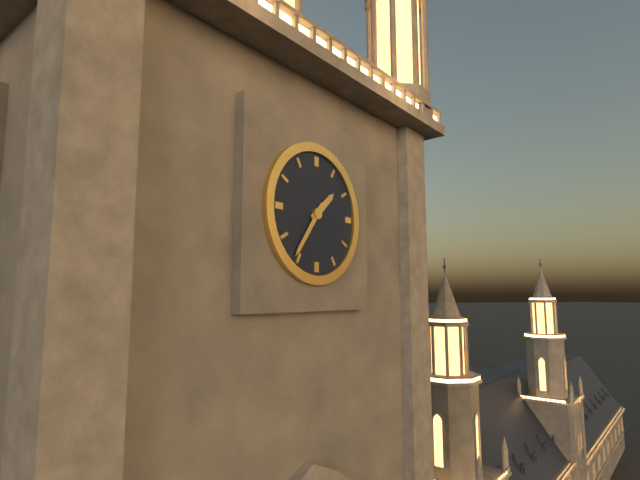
{"hour": 1, "minute": 36}
